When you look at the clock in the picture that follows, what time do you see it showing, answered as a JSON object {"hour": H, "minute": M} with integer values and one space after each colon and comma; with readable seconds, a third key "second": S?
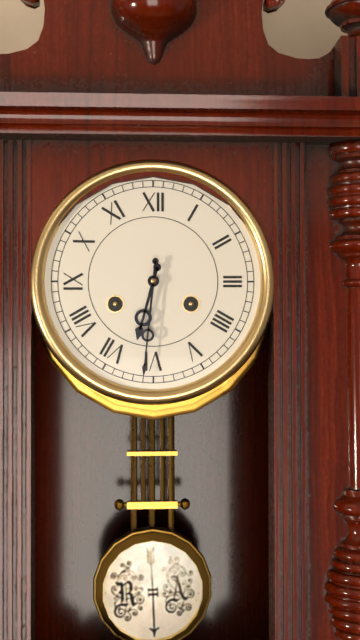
{"hour": 6, "minute": 31}
